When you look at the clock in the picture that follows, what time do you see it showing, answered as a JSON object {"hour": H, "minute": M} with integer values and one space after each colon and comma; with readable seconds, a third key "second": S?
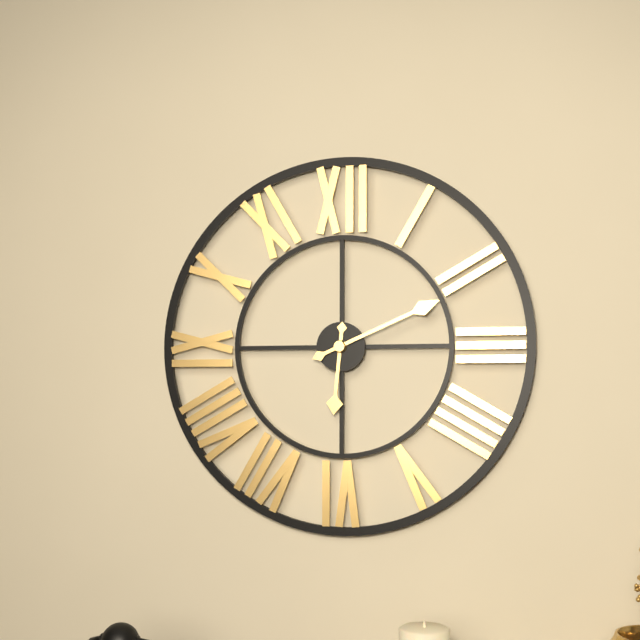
{"hour": 6, "minute": 11}
